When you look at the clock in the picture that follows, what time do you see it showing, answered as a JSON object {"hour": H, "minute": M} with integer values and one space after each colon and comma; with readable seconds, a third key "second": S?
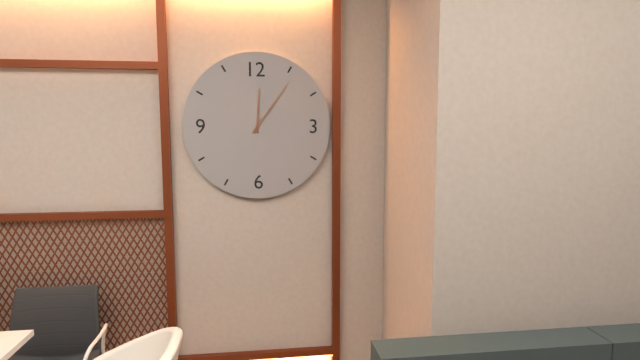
{"hour": 12, "minute": 6}
